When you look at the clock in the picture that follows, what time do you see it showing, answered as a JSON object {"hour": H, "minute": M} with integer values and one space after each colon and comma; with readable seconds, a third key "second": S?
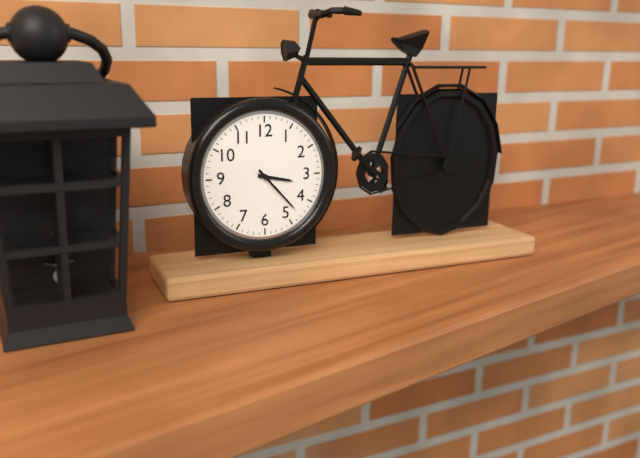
{"hour": 3, "minute": 23}
